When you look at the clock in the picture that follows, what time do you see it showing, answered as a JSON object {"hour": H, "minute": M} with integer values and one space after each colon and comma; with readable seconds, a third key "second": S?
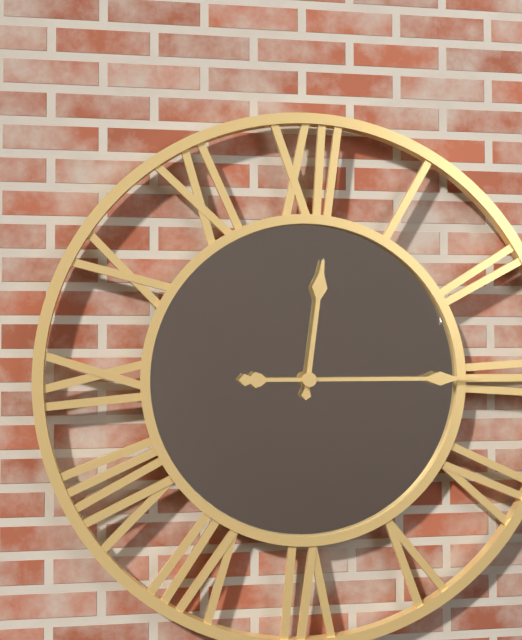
{"hour": 12, "minute": 15}
